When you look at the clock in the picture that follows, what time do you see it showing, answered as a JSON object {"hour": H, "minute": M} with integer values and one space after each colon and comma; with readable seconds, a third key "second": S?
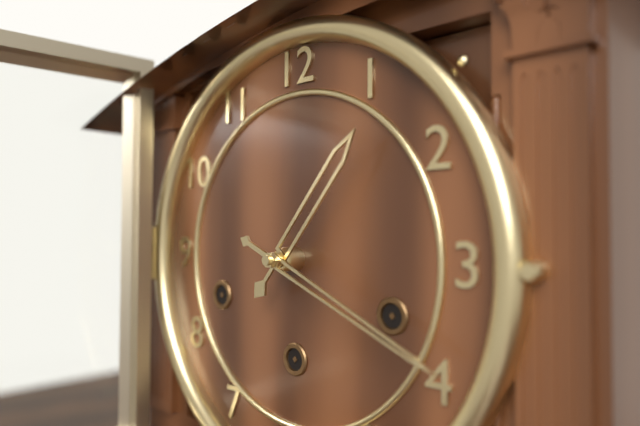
{"hour": 1, "minute": 19}
